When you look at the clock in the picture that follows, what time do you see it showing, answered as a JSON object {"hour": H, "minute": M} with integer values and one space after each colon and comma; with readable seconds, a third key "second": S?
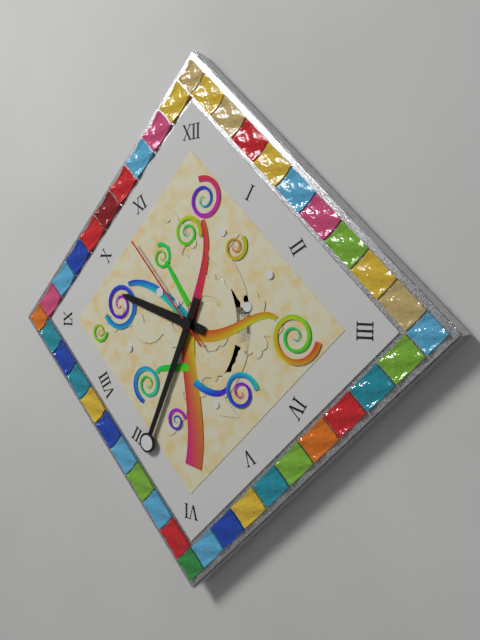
{"hour": 9, "minute": 34, "second": 53}
